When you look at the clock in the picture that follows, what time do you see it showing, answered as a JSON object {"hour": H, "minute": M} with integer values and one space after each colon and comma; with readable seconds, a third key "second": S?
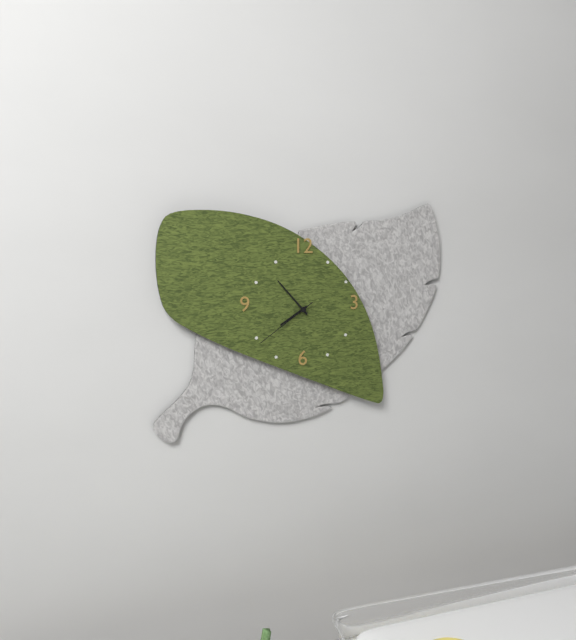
{"hour": 7, "minute": 53, "second": 39}
